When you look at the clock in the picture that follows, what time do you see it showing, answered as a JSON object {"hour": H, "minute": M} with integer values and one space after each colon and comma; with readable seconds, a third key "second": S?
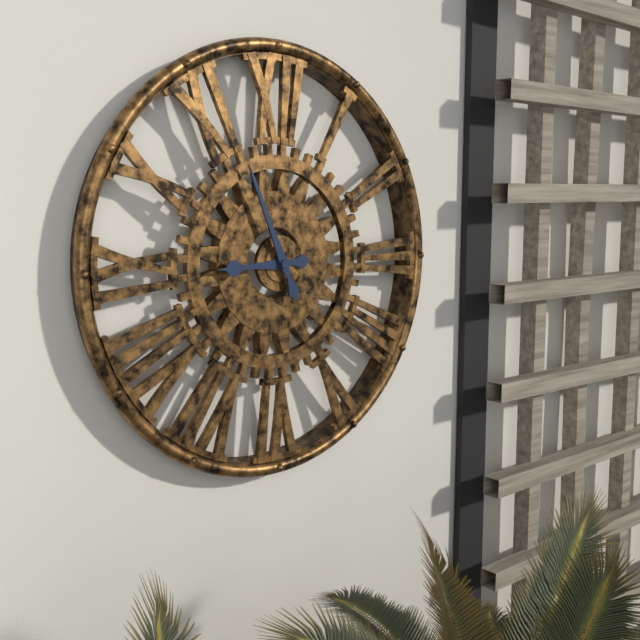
{"hour": 8, "minute": 56}
